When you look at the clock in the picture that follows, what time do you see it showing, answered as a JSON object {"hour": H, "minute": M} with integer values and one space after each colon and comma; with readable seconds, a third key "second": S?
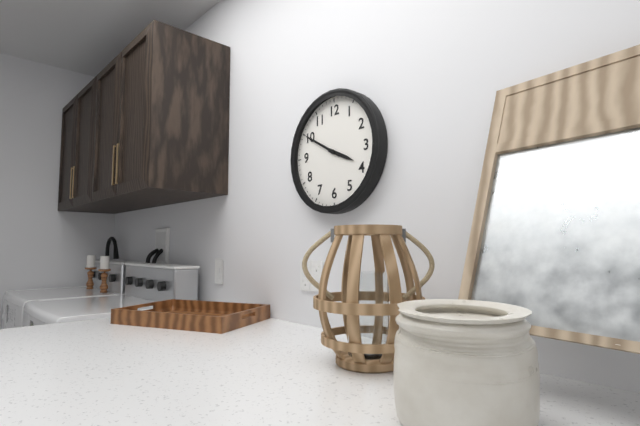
{"hour": 3, "minute": 50}
